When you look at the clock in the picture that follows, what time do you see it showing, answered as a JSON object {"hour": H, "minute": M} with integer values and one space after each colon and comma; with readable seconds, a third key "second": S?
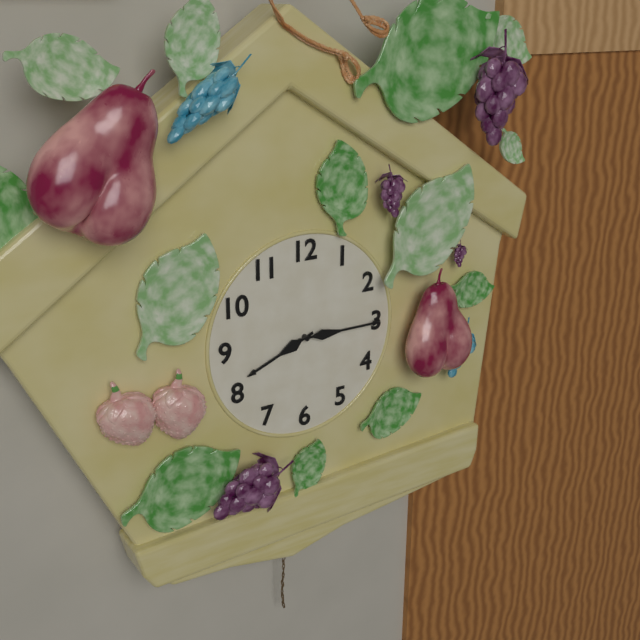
{"hour": 8, "minute": 15}
